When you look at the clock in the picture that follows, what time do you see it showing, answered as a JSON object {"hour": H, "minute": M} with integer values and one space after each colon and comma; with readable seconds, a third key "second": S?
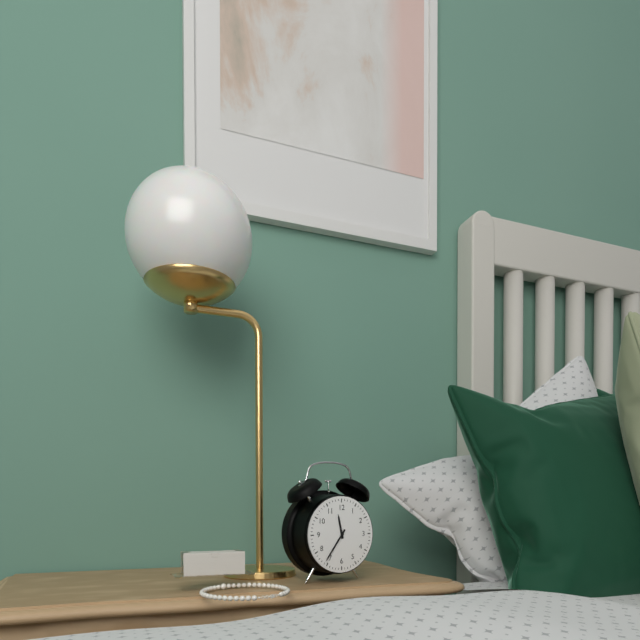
{"hour": 11, "minute": 36}
